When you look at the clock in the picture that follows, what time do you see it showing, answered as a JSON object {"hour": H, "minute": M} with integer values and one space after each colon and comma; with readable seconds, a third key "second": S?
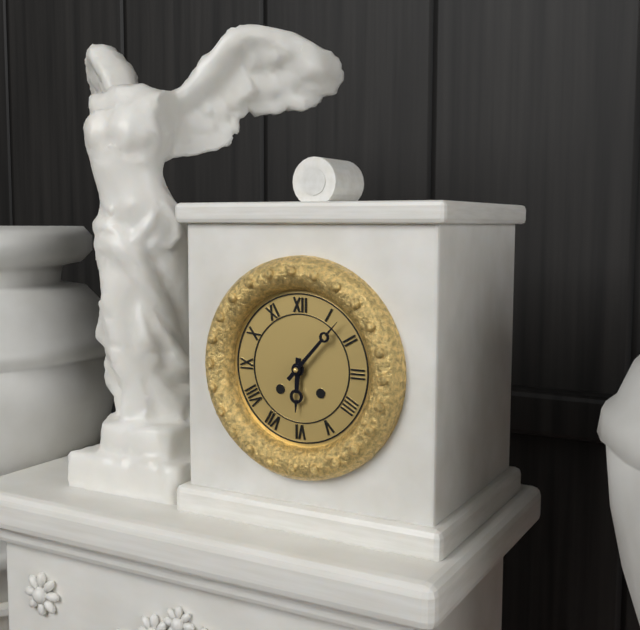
{"hour": 6, "minute": 7}
